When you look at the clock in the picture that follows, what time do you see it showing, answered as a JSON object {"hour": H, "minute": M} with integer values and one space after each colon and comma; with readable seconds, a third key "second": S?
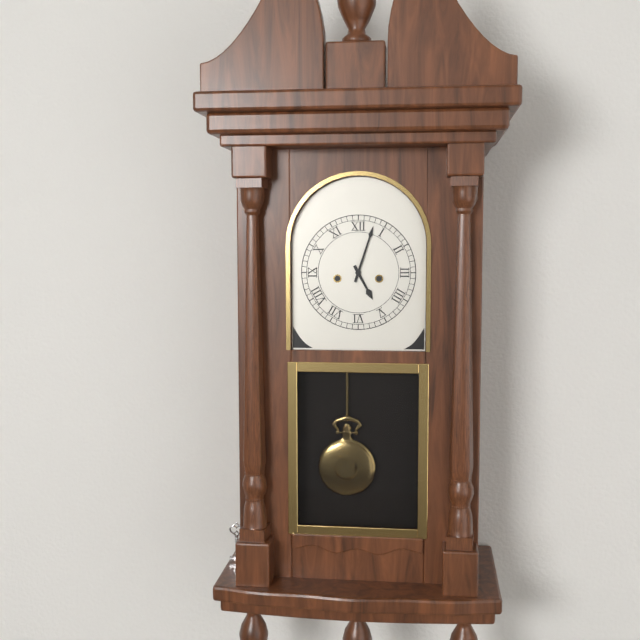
{"hour": 5, "minute": 3}
